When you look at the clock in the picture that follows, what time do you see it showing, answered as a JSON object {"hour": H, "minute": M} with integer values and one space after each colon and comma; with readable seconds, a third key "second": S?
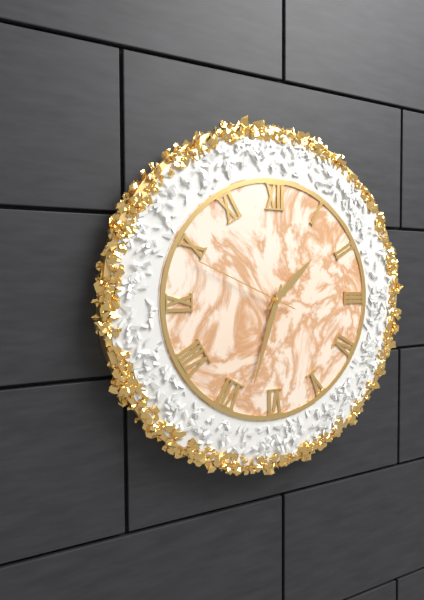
{"hour": 1, "minute": 33, "second": 49}
